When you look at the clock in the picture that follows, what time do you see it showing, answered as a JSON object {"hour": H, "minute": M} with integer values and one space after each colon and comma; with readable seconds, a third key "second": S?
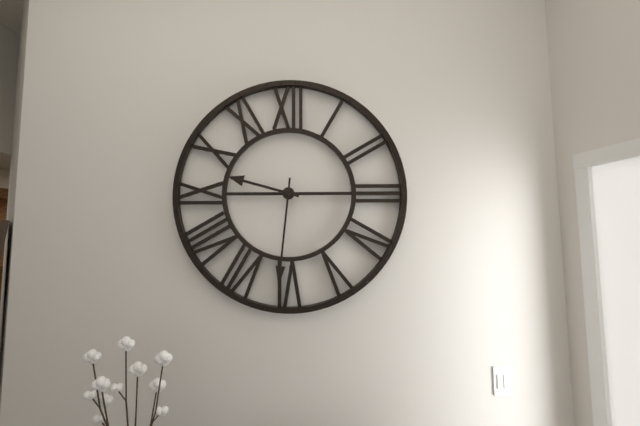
{"hour": 9, "minute": 31}
